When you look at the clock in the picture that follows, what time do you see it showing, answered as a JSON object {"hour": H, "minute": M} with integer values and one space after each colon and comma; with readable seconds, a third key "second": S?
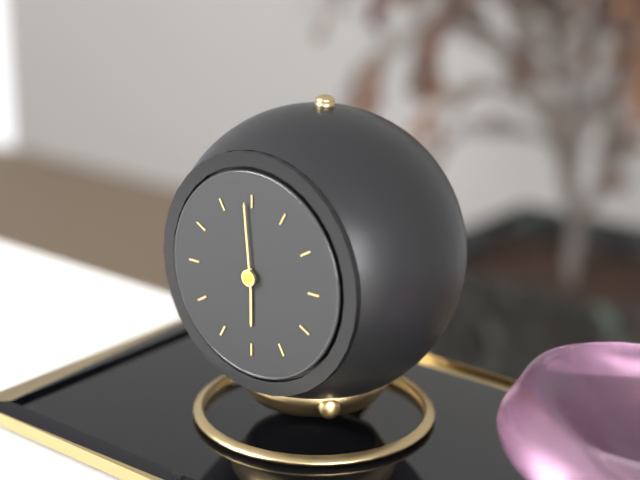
{"hour": 5, "minute": 59}
